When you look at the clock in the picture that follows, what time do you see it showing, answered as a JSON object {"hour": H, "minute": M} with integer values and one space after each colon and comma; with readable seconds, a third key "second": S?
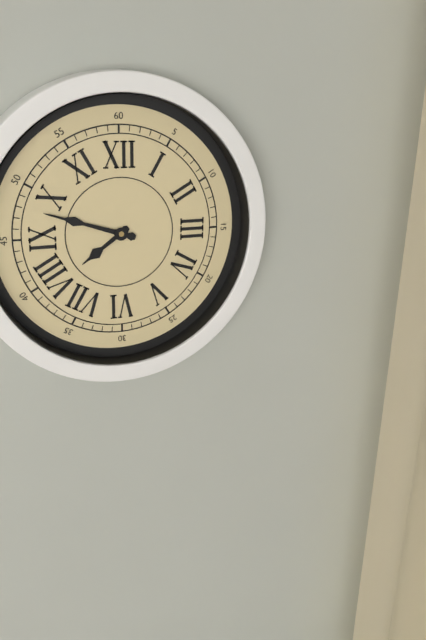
{"hour": 7, "minute": 48}
